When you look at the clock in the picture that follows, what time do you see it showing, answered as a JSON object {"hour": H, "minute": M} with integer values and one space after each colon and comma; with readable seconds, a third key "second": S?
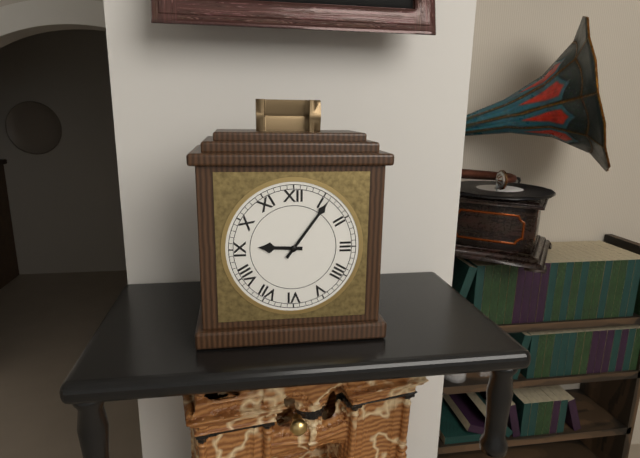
{"hour": 9, "minute": 6}
